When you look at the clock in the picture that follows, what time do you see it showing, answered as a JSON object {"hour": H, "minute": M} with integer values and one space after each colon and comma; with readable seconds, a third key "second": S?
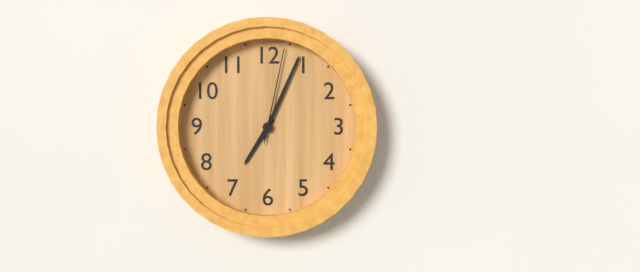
{"hour": 7, "minute": 4, "second": 2}
